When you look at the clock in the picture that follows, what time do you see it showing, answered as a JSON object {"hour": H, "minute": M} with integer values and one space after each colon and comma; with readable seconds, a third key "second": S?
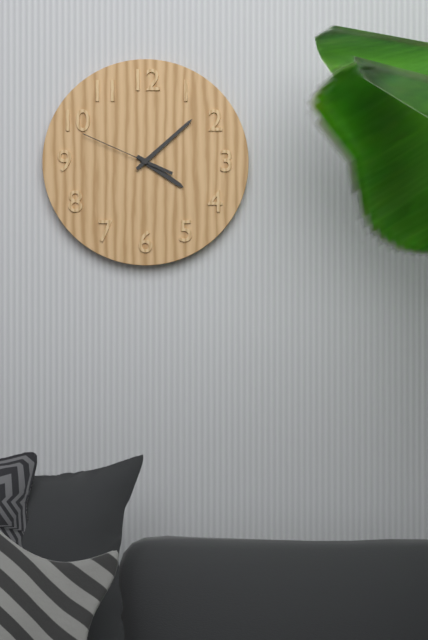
{"hour": 4, "minute": 8, "second": 49}
